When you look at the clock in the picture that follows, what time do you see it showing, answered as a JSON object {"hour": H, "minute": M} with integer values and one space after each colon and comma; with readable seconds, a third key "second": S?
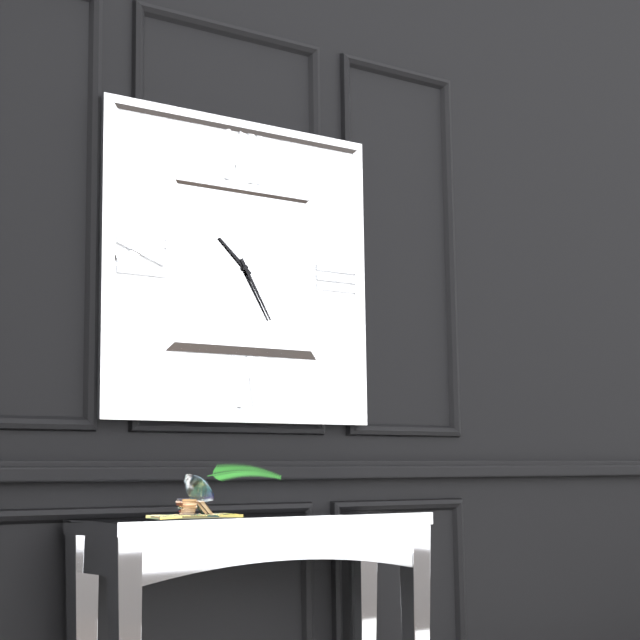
{"hour": 10, "minute": 25}
